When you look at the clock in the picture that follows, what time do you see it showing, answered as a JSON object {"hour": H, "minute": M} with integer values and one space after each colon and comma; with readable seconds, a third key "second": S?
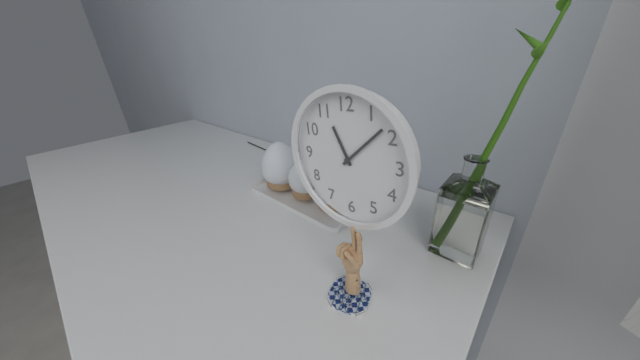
{"hour": 11, "minute": 8}
